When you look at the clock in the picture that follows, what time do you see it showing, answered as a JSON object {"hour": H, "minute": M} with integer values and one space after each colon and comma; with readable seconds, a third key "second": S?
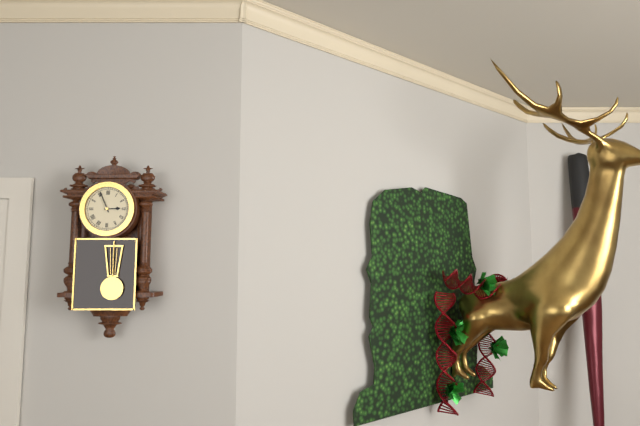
{"hour": 2, "minute": 56}
